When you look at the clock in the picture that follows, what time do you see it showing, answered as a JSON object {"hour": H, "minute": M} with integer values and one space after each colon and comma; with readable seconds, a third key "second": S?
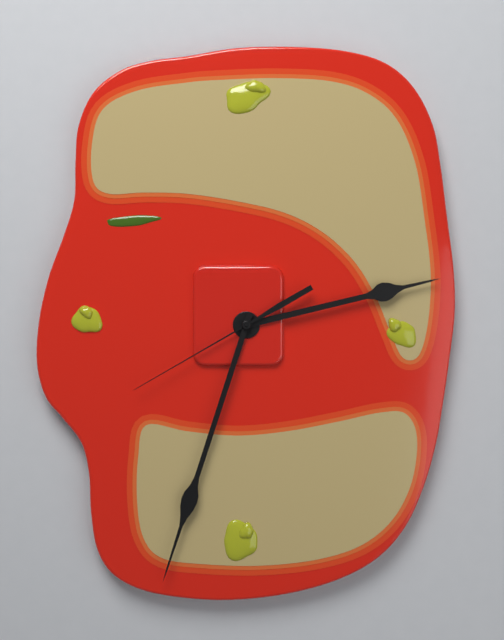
{"hour": 2, "minute": 33, "second": 40}
